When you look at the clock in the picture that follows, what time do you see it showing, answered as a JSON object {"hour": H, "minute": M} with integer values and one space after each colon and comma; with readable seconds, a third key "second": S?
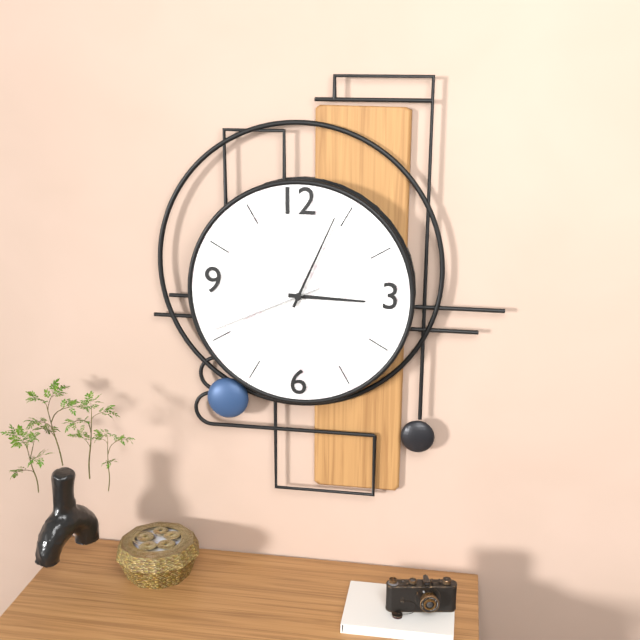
{"hour": 3, "minute": 4, "second": 41}
